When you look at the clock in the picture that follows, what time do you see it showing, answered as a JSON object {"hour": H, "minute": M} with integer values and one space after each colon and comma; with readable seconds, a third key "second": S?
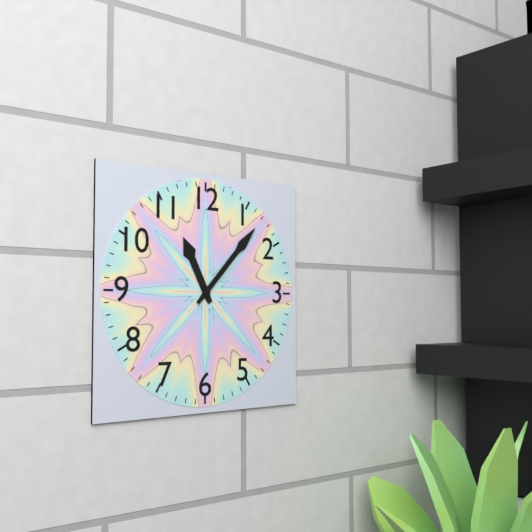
{"hour": 11, "minute": 7}
